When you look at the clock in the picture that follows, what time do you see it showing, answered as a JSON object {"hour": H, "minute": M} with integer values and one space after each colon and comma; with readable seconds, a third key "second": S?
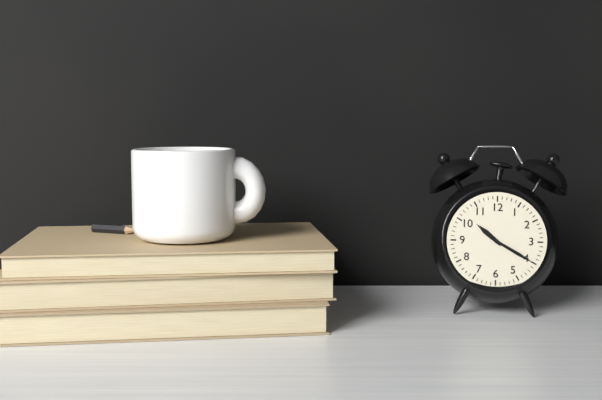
{"hour": 10, "minute": 20}
